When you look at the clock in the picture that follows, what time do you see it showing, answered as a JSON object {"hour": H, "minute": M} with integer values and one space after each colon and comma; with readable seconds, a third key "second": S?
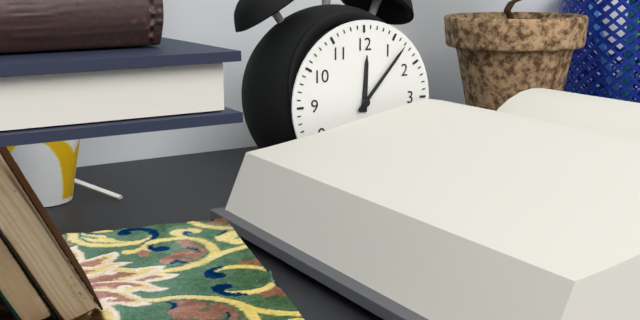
{"hour": 12, "minute": 7}
